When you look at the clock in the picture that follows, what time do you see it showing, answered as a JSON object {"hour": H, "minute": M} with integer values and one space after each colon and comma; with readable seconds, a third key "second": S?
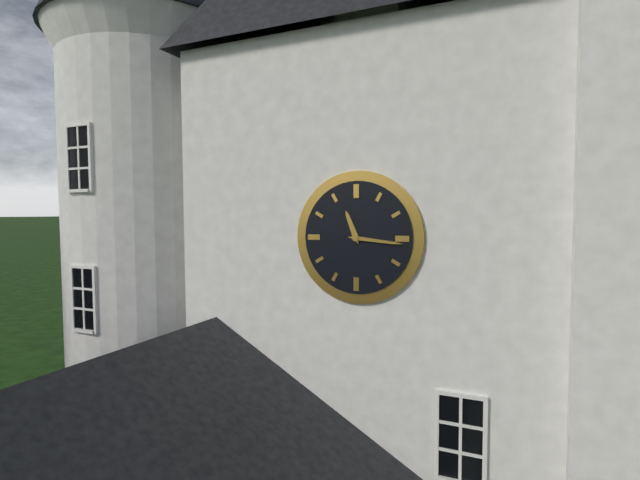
{"hour": 11, "minute": 16}
